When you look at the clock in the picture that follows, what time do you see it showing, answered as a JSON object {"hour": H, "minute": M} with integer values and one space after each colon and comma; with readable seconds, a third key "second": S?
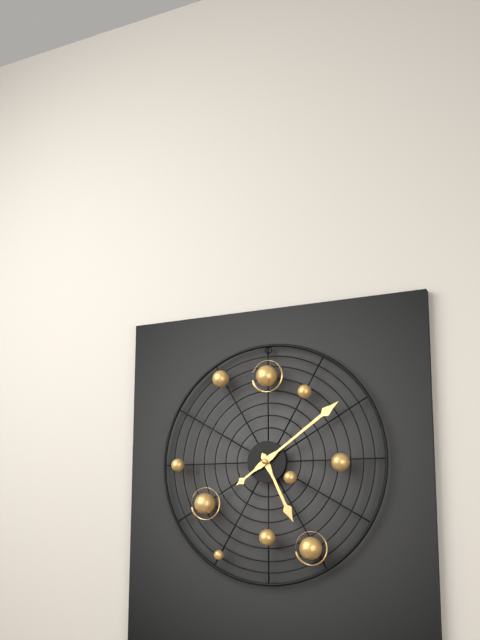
{"hour": 5, "minute": 9}
